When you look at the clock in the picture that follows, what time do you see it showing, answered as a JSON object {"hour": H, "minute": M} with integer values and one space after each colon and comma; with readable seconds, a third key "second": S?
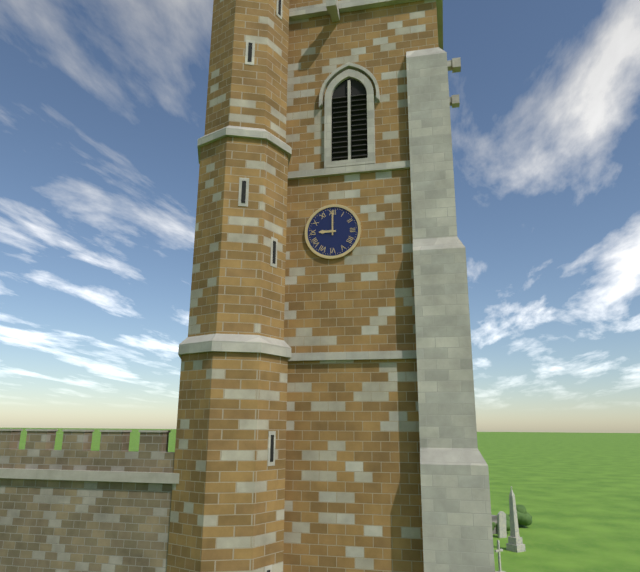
{"hour": 9, "minute": 0}
